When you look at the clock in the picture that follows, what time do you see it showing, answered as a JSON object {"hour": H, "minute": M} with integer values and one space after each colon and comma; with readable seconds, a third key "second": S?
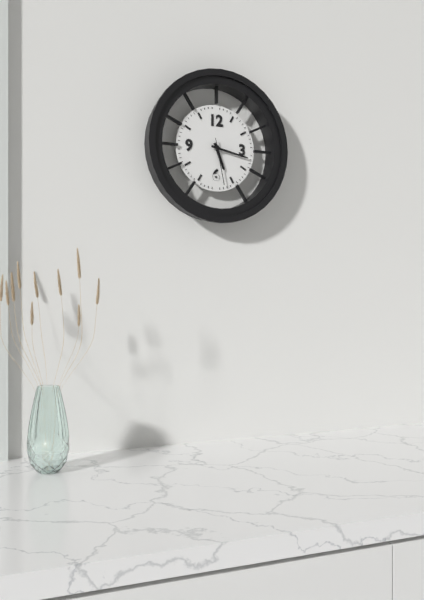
{"hour": 5, "minute": 17}
